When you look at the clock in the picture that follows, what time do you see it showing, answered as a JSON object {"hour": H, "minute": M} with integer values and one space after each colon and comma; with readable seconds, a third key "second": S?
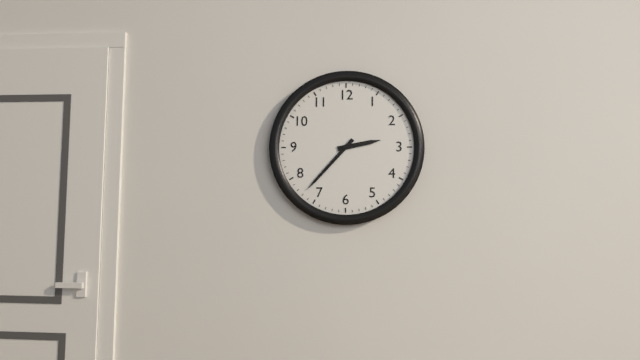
{"hour": 2, "minute": 37}
